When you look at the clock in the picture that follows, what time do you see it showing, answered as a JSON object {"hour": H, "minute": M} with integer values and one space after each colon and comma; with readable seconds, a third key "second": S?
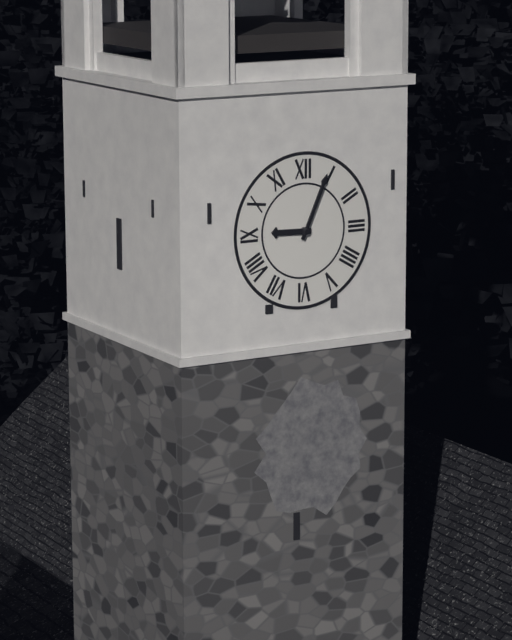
{"hour": 9, "minute": 4}
